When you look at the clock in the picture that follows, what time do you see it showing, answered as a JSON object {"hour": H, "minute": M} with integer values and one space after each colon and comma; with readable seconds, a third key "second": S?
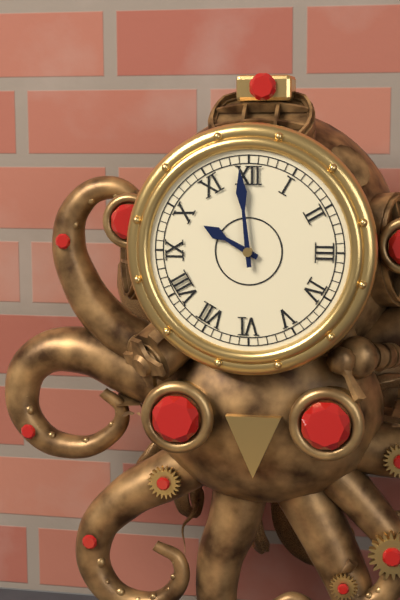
{"hour": 9, "minute": 59}
